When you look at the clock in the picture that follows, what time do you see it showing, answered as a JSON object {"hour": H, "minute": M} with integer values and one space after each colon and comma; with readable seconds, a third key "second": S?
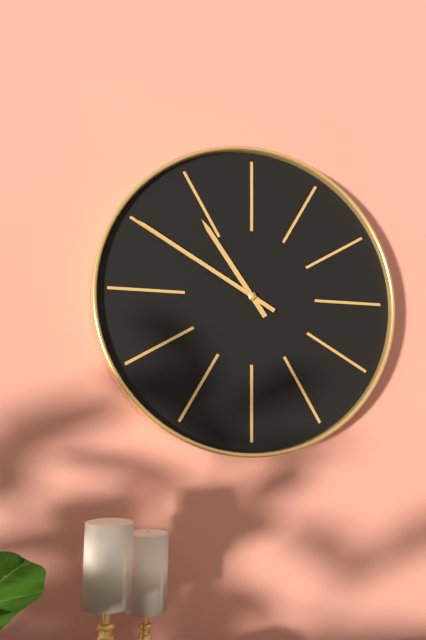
{"hour": 10, "minute": 50}
